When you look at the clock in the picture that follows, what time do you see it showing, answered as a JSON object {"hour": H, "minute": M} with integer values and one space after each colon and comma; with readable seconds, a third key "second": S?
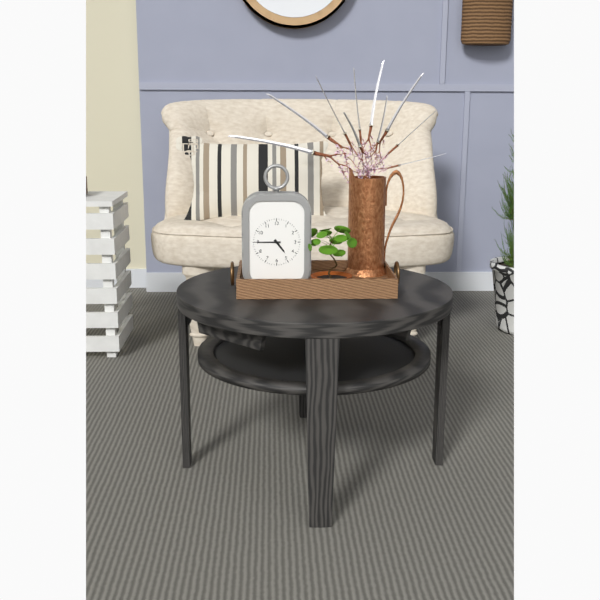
{"hour": 4, "minute": 45}
